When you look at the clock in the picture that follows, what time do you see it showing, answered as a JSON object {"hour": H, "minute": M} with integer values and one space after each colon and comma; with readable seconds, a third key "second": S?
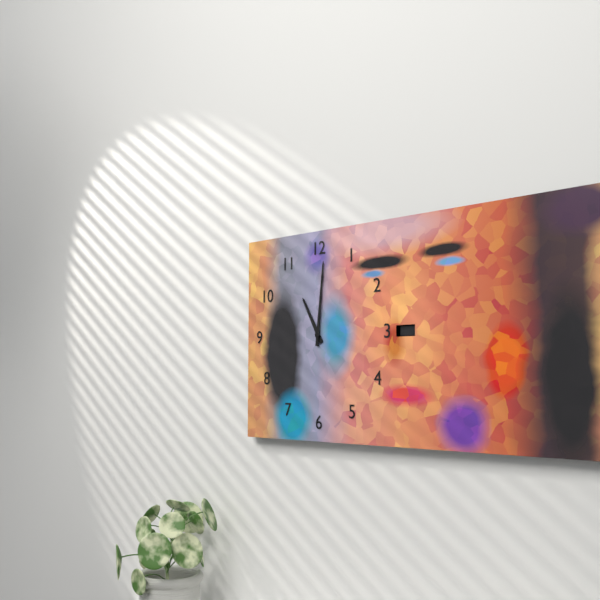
{"hour": 11, "minute": 1}
